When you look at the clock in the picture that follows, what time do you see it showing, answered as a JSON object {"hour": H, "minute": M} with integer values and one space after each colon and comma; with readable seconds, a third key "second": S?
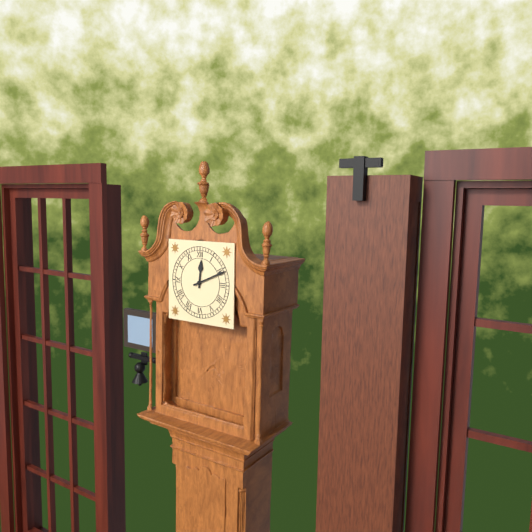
{"hour": 12, "minute": 11}
